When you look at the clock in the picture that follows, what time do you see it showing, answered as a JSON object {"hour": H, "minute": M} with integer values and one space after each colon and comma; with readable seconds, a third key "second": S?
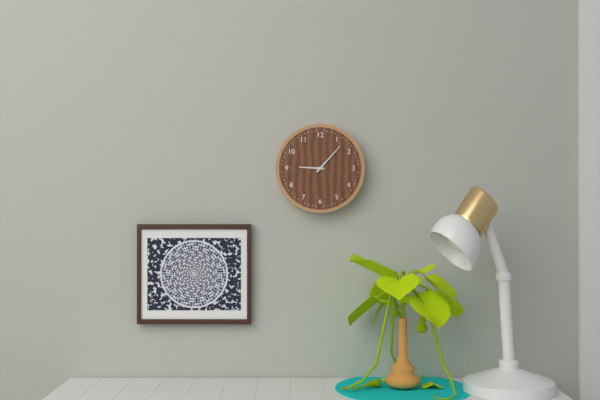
{"hour": 9, "minute": 7}
